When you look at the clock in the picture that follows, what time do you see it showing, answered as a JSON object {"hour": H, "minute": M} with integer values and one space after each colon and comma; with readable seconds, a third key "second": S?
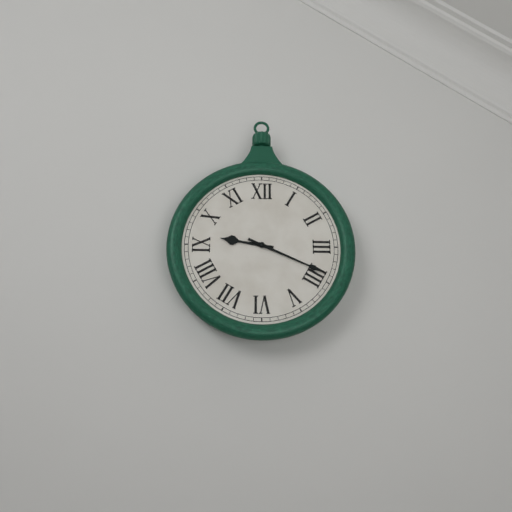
{"hour": 9, "minute": 19}
